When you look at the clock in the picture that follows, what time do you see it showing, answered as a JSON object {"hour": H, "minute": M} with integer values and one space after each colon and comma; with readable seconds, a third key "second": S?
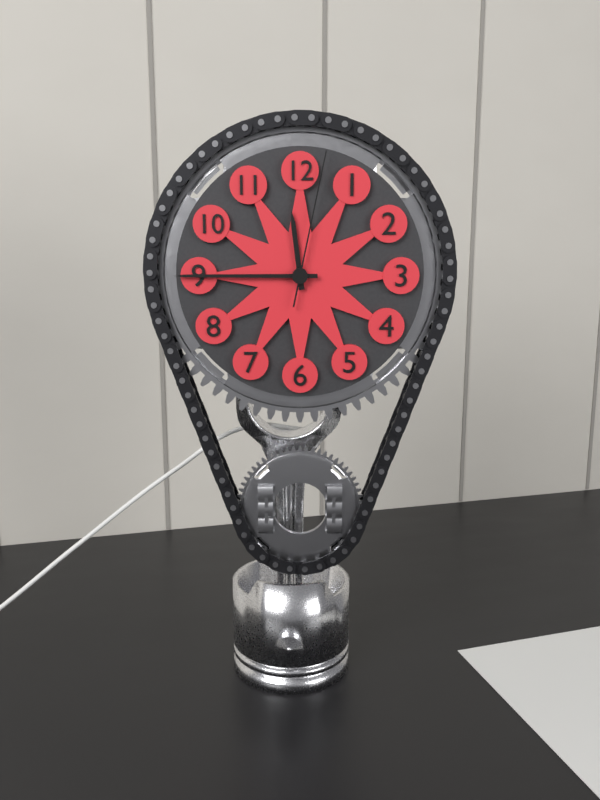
{"hour": 11, "minute": 45, "second": 2}
